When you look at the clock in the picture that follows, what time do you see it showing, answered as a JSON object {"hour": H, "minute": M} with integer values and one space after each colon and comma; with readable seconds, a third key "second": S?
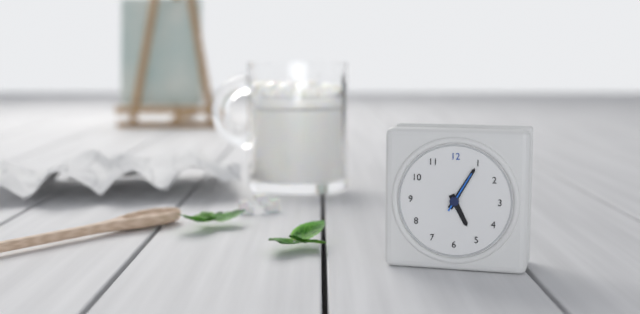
{"hour": 5, "minute": 5}
